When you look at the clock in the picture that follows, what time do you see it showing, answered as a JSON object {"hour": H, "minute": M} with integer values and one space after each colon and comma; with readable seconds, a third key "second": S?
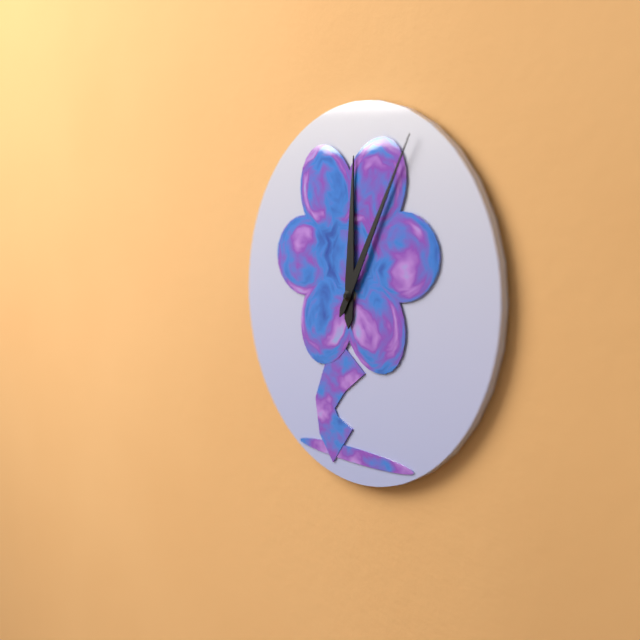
{"hour": 12, "minute": 5}
